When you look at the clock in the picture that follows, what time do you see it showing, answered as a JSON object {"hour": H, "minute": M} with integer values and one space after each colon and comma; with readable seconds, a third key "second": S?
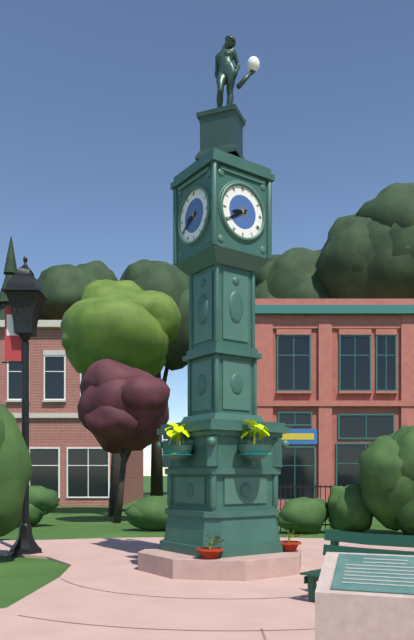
{"hour": 8, "minute": 40}
